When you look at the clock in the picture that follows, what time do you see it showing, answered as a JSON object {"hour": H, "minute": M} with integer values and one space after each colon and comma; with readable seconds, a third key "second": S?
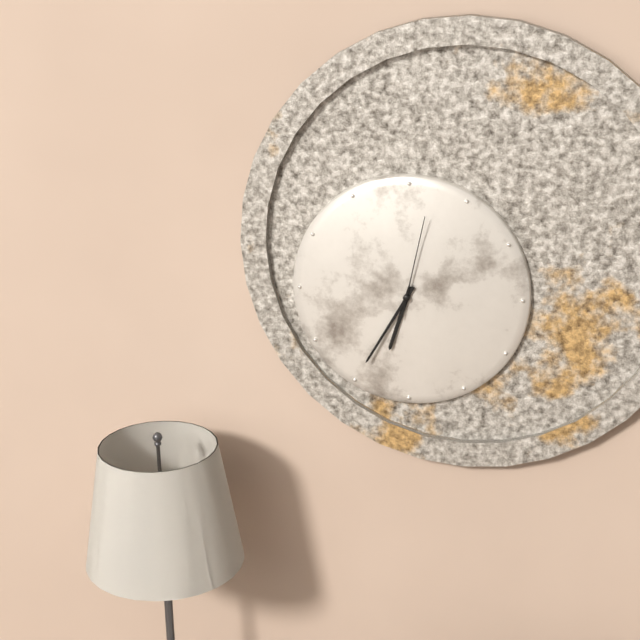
{"hour": 6, "minute": 35, "second": 2}
